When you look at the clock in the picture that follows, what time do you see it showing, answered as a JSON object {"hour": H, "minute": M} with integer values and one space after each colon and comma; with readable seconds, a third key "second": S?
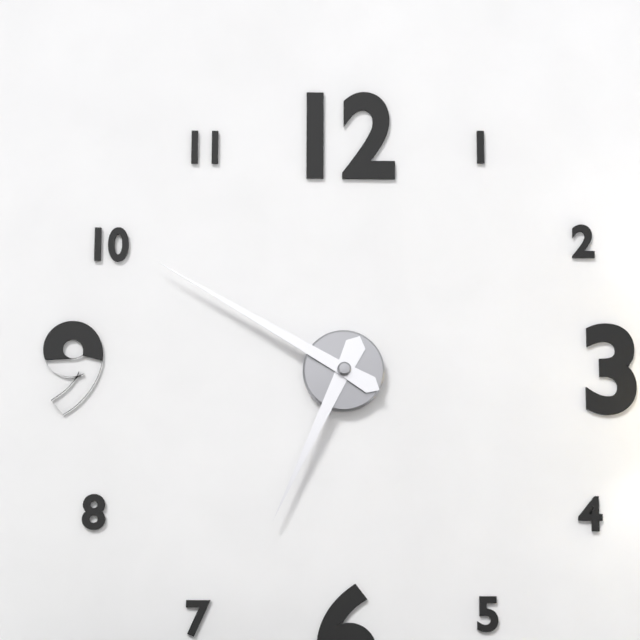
{"hour": 6, "minute": 50}
